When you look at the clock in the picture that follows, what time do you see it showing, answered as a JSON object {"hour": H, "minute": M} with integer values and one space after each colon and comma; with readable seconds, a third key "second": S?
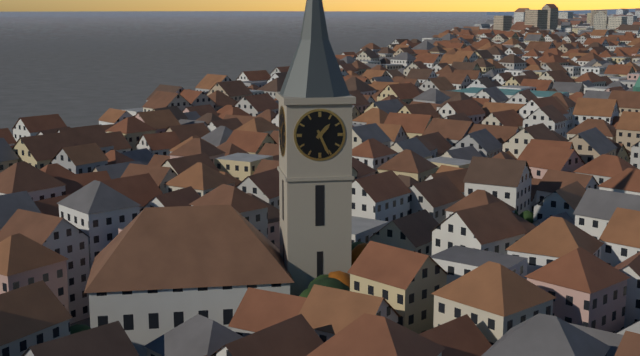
{"hour": 1, "minute": 26}
